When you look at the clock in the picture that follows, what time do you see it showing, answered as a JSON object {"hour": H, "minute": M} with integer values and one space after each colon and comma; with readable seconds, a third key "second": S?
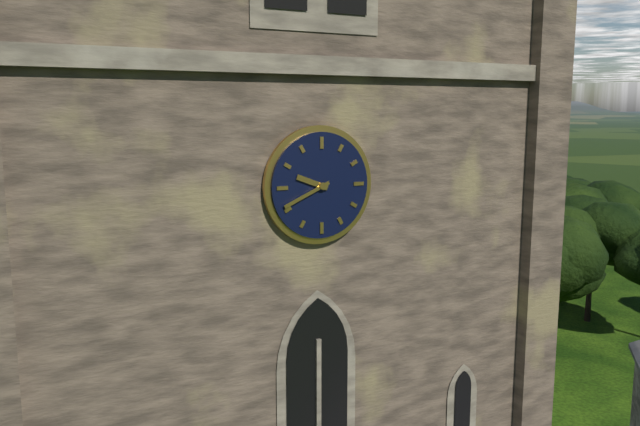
{"hour": 9, "minute": 41}
